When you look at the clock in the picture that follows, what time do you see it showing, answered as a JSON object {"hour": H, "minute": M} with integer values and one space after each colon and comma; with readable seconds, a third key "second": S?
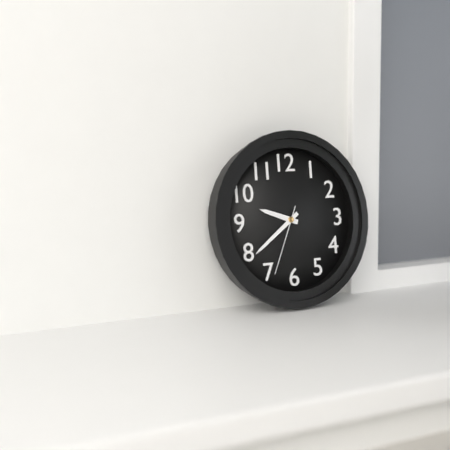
{"hour": 9, "minute": 39, "second": 34}
